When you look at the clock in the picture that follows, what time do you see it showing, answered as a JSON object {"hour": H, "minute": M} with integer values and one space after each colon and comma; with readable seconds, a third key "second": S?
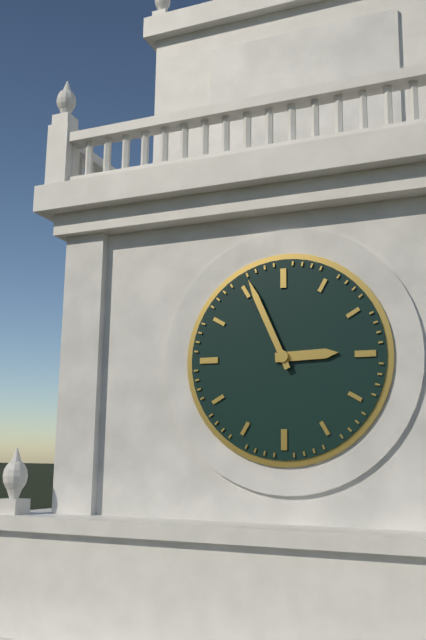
{"hour": 2, "minute": 56}
